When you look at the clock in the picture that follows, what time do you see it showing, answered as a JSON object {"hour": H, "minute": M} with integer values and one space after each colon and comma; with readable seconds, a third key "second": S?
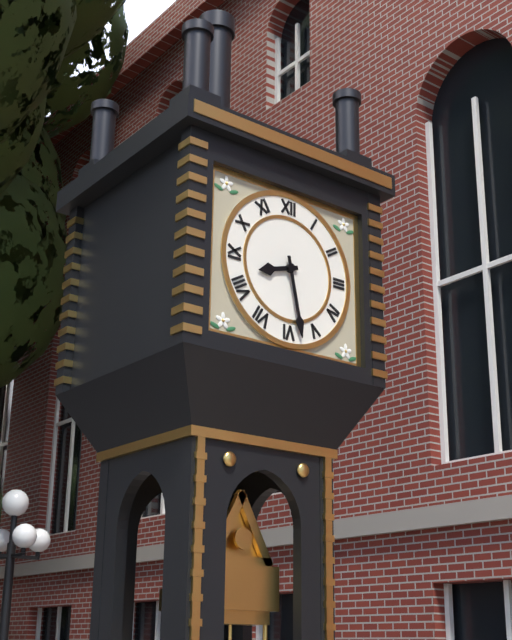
{"hour": 8, "minute": 28}
